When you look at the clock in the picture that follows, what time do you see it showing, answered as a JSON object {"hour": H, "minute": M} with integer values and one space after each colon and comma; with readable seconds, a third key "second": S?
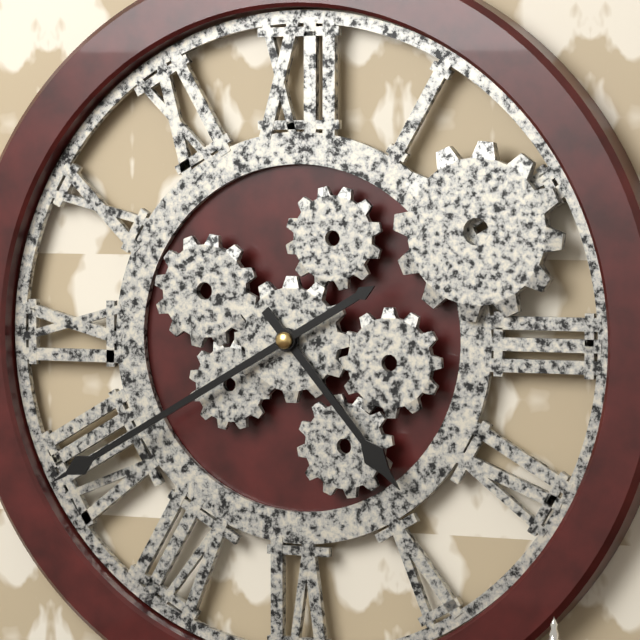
{"hour": 4, "minute": 40}
